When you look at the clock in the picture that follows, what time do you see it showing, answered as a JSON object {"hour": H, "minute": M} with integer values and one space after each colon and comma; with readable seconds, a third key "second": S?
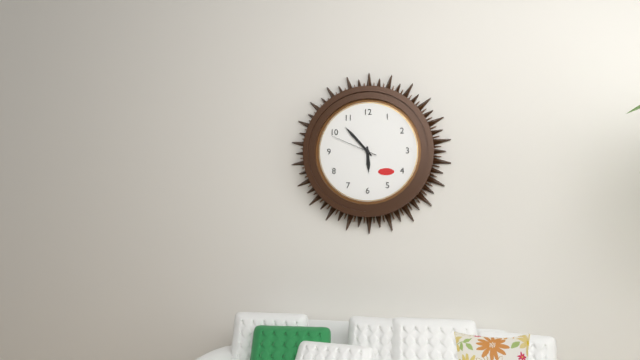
{"hour": 5, "minute": 53}
